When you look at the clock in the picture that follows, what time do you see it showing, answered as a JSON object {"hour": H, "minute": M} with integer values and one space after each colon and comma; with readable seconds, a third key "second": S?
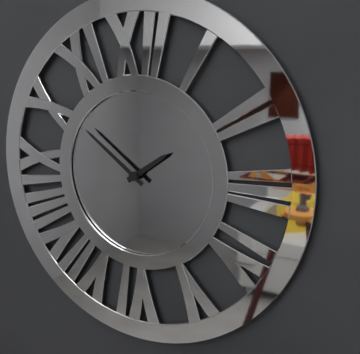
{"hour": 1, "minute": 51}
